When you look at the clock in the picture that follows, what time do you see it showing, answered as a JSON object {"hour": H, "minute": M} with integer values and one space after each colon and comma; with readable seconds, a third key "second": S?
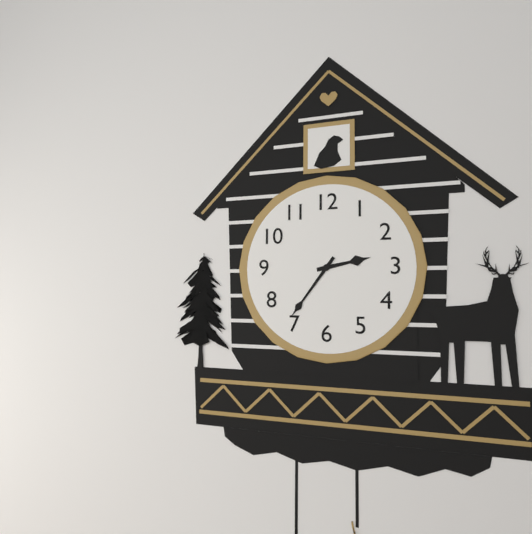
{"hour": 2, "minute": 36}
